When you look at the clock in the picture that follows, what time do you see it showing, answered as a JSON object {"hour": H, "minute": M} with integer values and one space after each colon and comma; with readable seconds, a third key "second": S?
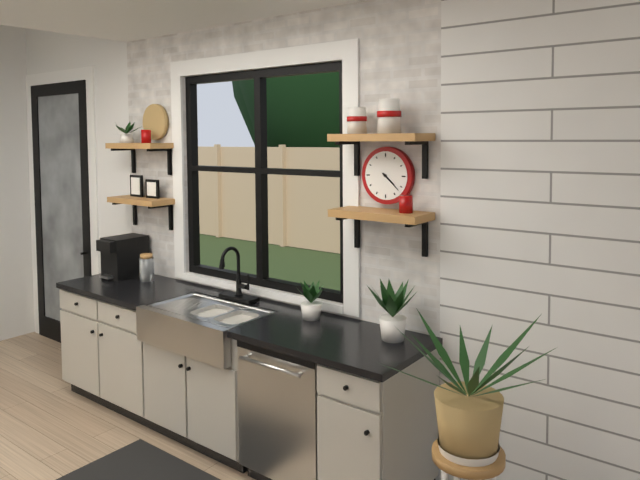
{"hour": 4, "minute": 22}
